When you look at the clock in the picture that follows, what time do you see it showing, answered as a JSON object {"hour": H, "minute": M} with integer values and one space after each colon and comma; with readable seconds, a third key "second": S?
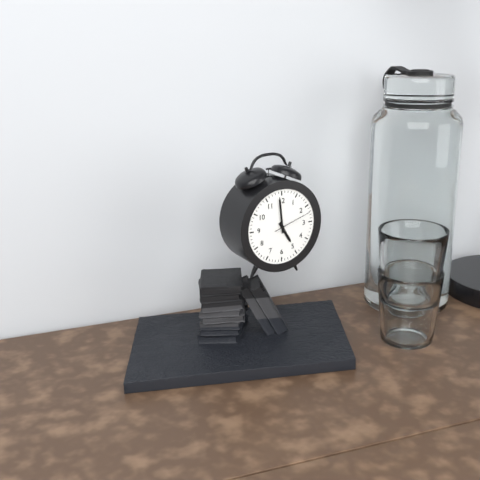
{"hour": 4, "minute": 59}
